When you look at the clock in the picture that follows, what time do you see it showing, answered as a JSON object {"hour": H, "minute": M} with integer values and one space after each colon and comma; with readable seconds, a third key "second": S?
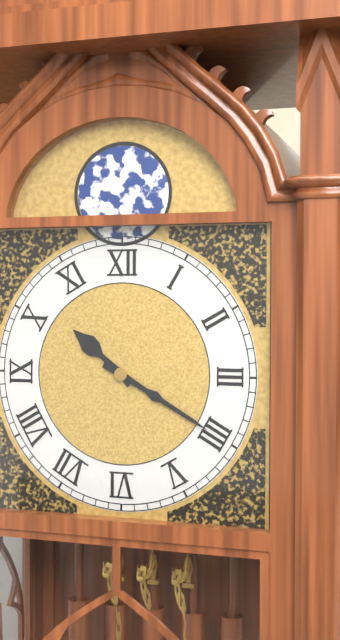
{"hour": 10, "minute": 20}
